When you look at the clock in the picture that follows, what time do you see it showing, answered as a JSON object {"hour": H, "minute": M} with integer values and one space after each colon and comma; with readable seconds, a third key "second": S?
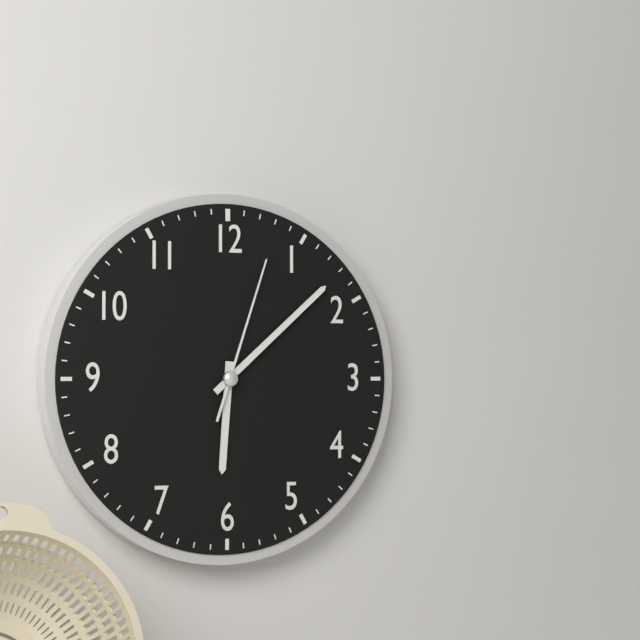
{"hour": 6, "minute": 8, "second": 3}
